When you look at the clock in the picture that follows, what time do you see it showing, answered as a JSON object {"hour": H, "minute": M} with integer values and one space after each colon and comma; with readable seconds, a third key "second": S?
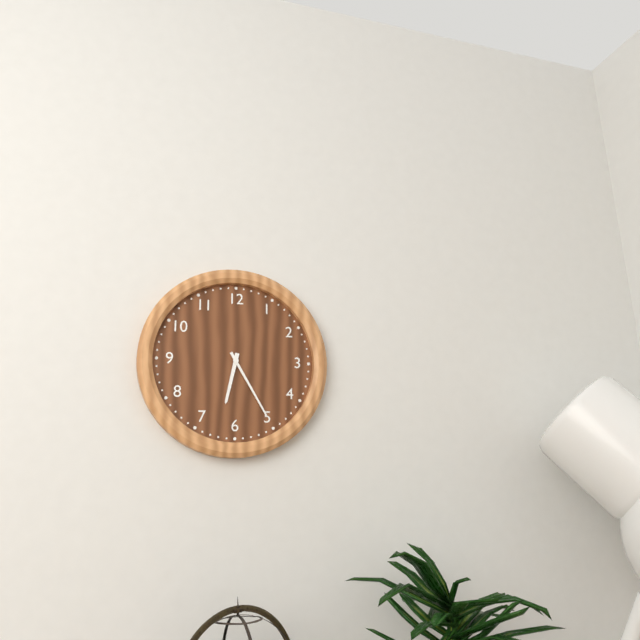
{"hour": 6, "minute": 25}
